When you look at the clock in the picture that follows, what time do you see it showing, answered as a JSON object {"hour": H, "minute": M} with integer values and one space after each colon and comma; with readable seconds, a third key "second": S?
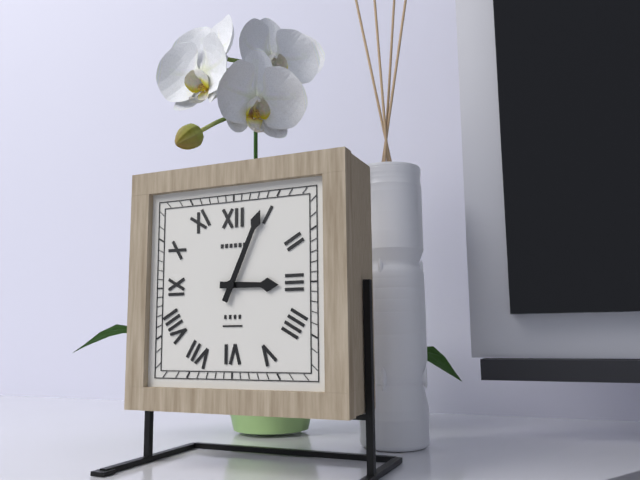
{"hour": 3, "minute": 4}
